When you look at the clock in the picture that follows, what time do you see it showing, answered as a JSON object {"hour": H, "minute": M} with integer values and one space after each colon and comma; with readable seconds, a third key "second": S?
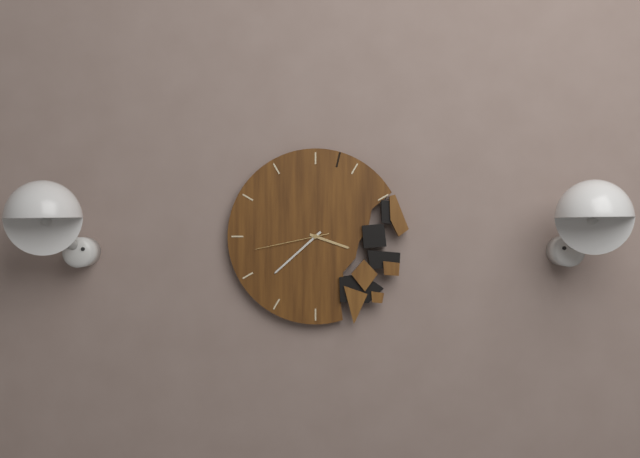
{"hour": 3, "minute": 38, "second": 43}
